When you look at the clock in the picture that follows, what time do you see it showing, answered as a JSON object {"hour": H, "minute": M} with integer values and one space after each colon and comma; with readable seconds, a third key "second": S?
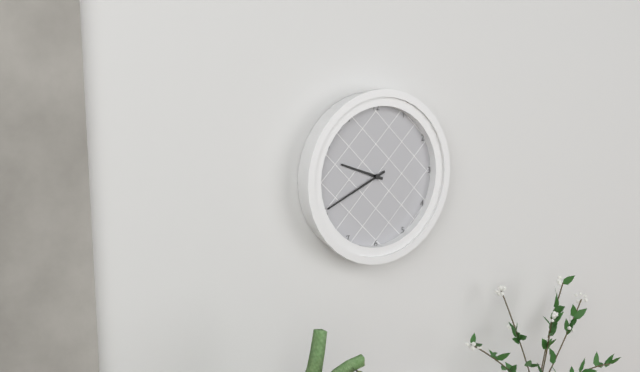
{"hour": 9, "minute": 41}
